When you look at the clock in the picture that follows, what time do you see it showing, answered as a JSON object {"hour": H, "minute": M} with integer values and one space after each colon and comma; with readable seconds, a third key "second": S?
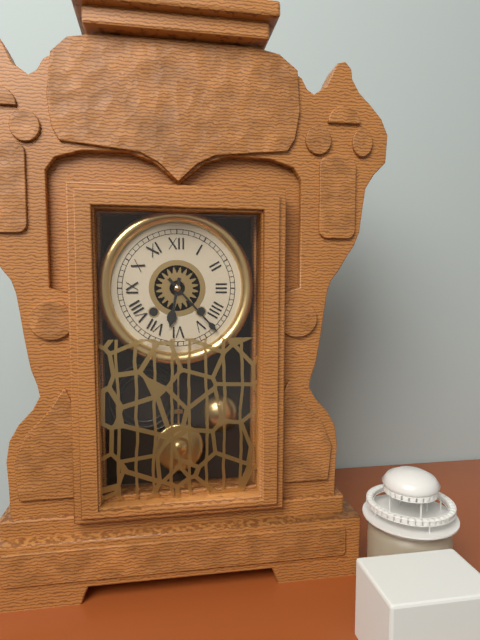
{"hour": 6, "minute": 23}
